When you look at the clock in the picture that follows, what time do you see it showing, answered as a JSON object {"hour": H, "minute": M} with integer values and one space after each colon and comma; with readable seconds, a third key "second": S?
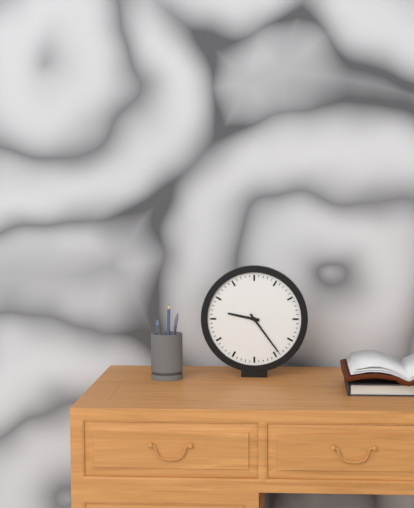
{"hour": 9, "minute": 24}
